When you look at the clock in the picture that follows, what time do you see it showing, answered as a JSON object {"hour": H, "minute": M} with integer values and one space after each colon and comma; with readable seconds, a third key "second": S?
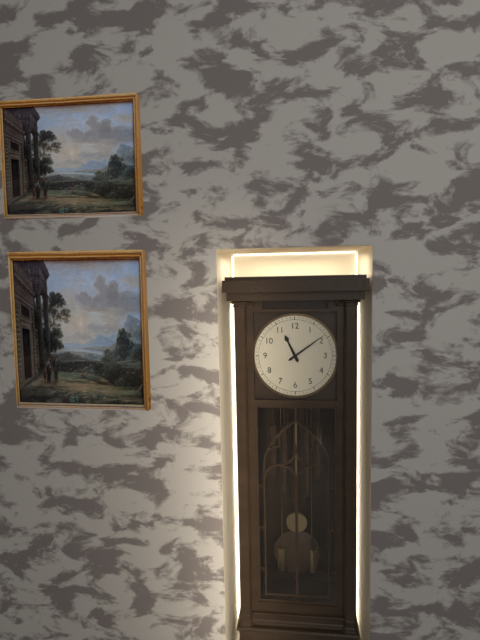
{"hour": 11, "minute": 9}
